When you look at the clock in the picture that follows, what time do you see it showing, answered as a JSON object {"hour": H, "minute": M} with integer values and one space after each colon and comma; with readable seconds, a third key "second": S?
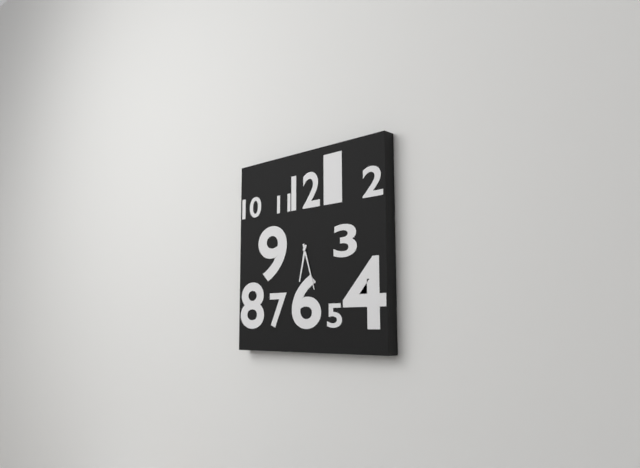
{"hour": 6, "minute": 27}
